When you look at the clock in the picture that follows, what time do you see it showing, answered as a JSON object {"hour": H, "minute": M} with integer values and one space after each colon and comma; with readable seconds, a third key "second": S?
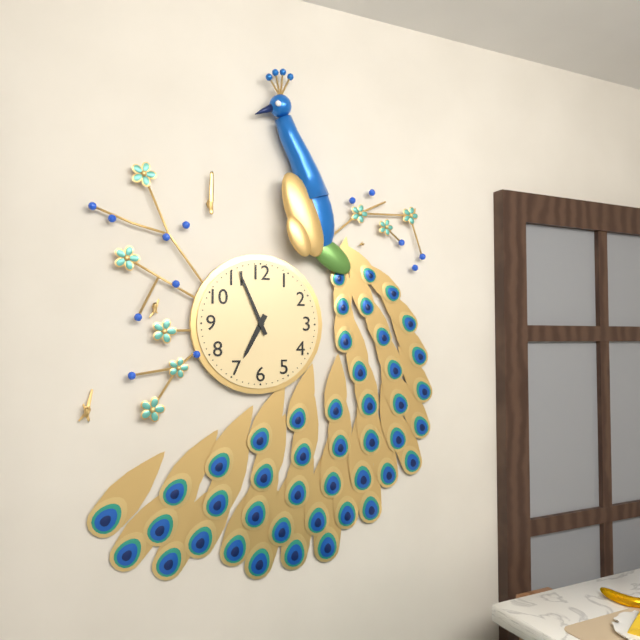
{"hour": 6, "minute": 56}
